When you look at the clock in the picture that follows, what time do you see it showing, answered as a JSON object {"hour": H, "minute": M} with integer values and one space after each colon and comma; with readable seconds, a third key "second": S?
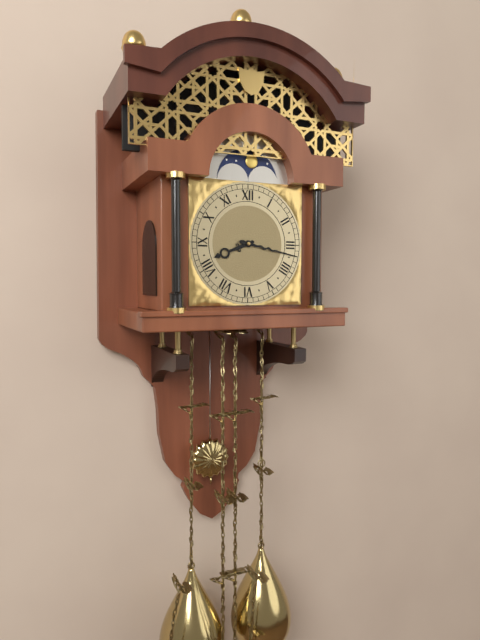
{"hour": 8, "minute": 17}
